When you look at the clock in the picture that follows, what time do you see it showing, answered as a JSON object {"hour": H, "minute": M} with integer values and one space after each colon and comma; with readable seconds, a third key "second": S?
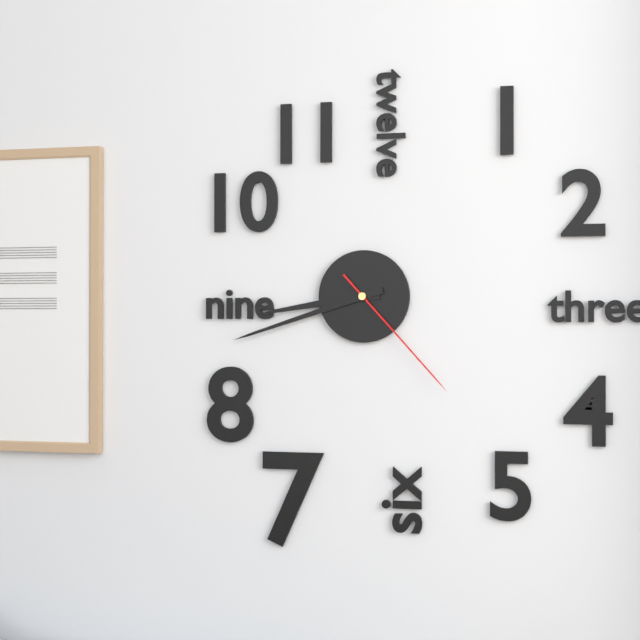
{"hour": 8, "minute": 42, "second": 23}
